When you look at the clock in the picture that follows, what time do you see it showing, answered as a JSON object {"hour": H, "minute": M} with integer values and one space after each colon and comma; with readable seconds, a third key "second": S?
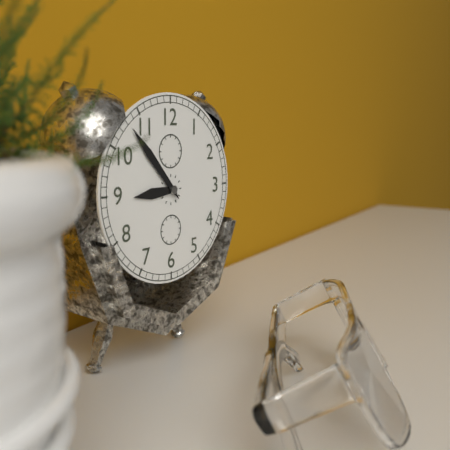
{"hour": 8, "minute": 53}
